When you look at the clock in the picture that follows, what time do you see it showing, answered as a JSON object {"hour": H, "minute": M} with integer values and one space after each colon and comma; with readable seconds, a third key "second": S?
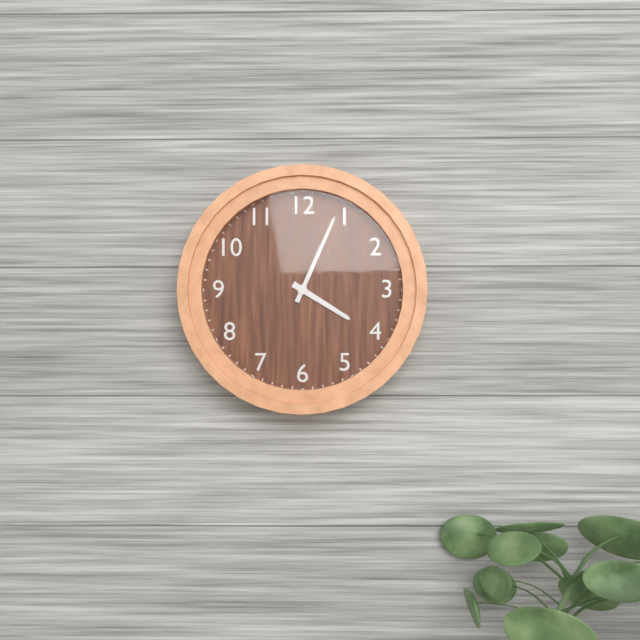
{"hour": 4, "minute": 4}
